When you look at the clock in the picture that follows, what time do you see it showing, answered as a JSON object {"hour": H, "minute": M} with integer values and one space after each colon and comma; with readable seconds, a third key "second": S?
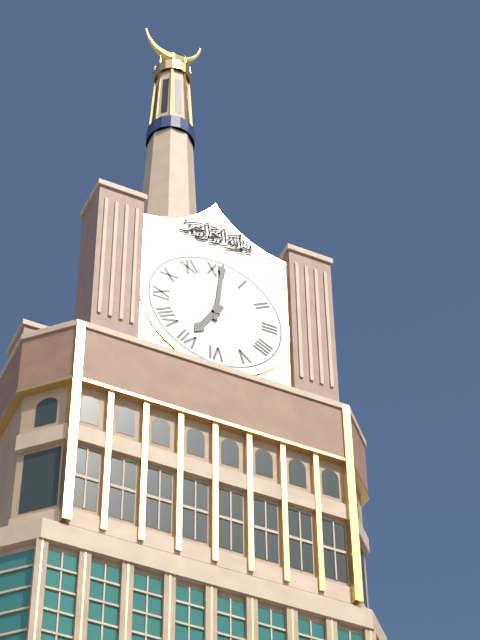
{"hour": 7, "minute": 1}
